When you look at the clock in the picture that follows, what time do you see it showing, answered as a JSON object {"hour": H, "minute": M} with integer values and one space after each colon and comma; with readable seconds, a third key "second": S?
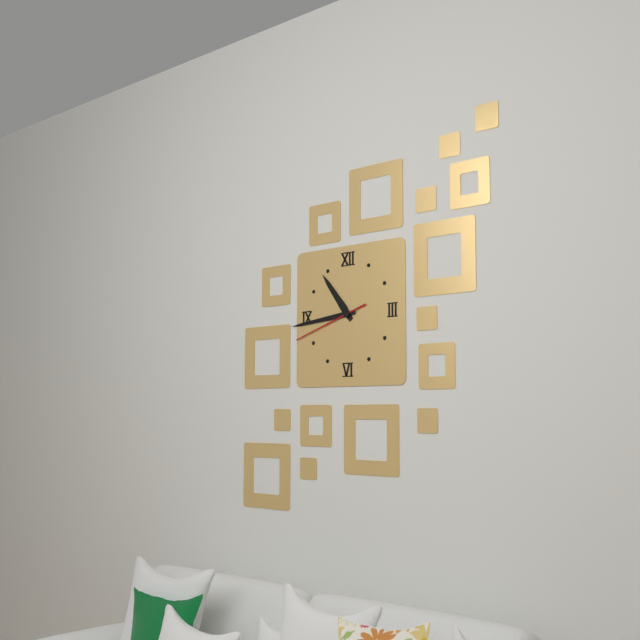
{"hour": 10, "minute": 44, "second": 42}
